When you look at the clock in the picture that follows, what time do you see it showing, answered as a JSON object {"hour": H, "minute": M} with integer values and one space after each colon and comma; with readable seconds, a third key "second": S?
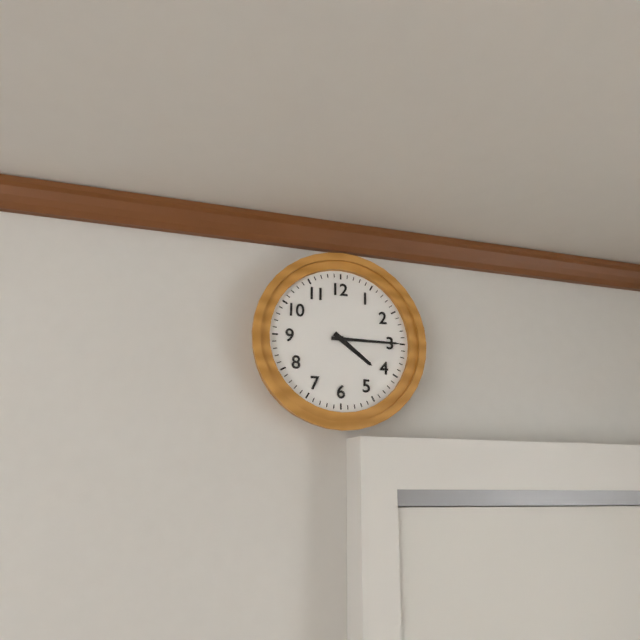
{"hour": 4, "minute": 15}
